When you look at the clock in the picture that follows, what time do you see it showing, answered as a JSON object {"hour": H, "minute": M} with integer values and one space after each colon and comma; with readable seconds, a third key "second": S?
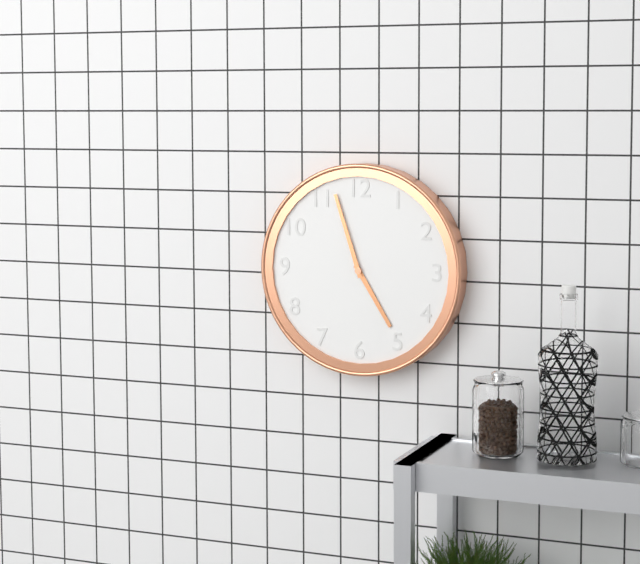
{"hour": 4, "minute": 57}
